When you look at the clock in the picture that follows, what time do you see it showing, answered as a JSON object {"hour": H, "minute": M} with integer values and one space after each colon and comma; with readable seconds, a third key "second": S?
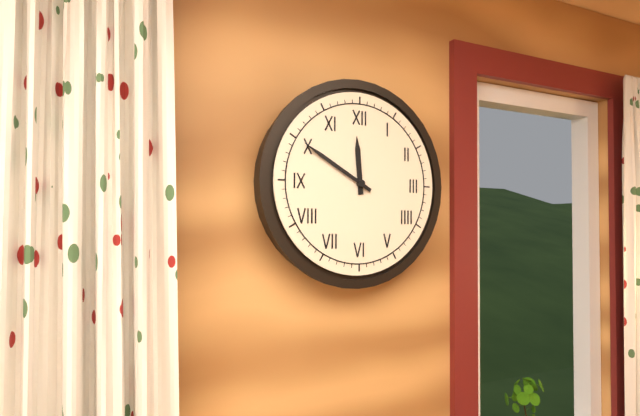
{"hour": 11, "minute": 50}
